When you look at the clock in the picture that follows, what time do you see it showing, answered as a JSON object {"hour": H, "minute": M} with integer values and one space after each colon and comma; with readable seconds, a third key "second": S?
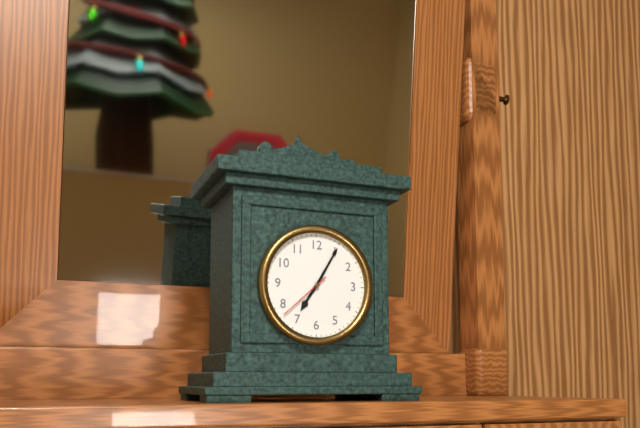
{"hour": 7, "minute": 5, "second": 38}
